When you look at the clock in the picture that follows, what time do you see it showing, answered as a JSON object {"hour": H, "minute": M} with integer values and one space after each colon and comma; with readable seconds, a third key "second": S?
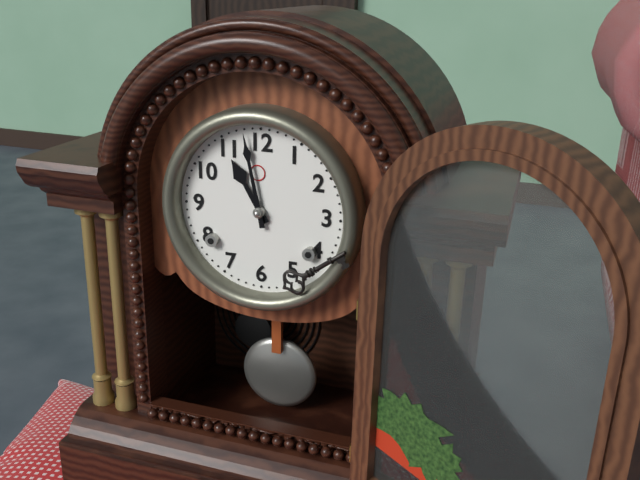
{"hour": 10, "minute": 58}
